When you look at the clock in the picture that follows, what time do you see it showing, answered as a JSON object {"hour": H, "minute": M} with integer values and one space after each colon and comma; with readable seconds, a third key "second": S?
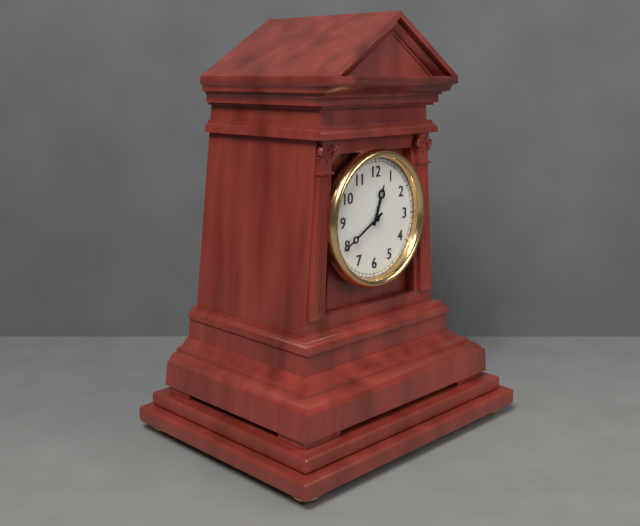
{"hour": 12, "minute": 40}
